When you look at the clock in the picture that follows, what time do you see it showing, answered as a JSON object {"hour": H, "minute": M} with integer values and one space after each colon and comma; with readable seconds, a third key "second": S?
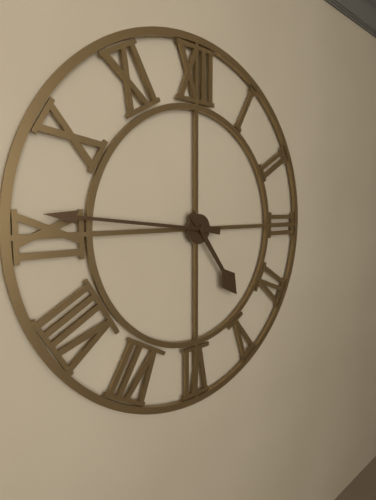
{"hour": 4, "minute": 46}
